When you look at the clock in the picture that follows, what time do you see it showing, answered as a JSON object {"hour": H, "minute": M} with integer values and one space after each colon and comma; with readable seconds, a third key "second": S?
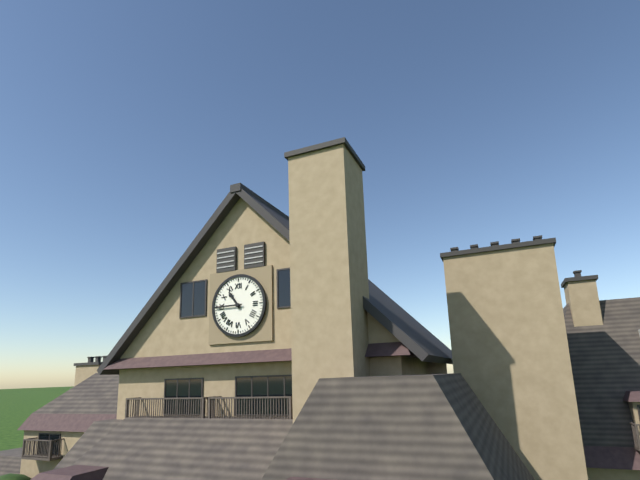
{"hour": 10, "minute": 45}
